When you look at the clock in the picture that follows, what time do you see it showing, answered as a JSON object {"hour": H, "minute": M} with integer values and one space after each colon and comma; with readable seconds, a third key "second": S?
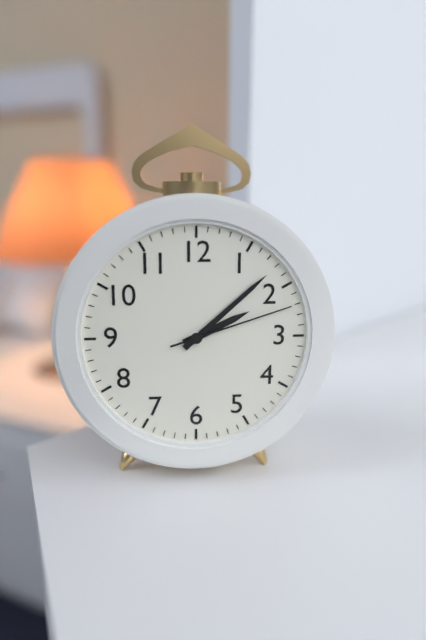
{"hour": 2, "minute": 8, "second": 12}
